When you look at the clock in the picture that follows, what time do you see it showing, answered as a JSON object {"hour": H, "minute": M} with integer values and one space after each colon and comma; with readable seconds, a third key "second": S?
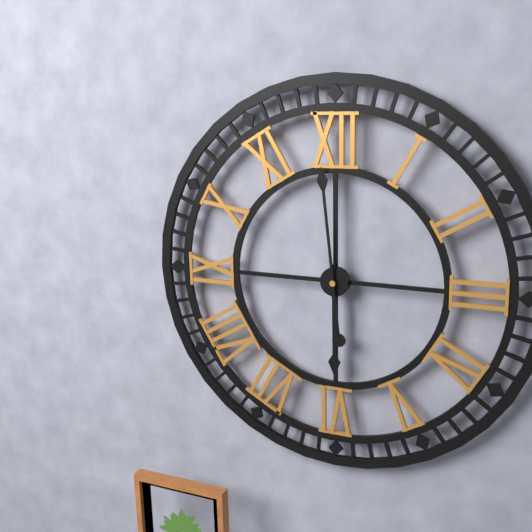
{"hour": 5, "minute": 59}
